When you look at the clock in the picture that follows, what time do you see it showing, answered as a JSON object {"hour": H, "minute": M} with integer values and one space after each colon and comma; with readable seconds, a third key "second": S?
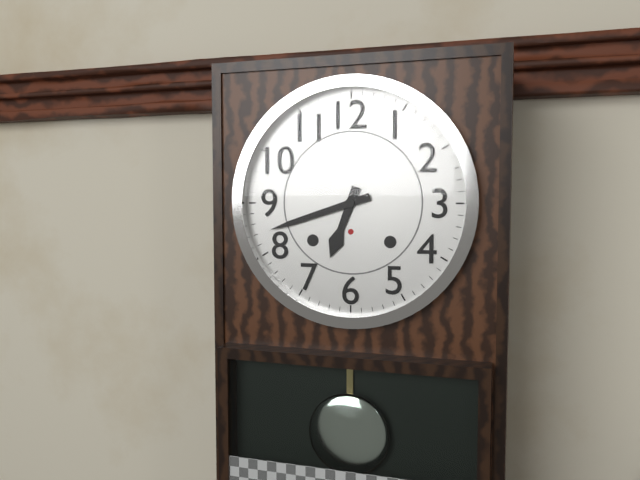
{"hour": 6, "minute": 42}
